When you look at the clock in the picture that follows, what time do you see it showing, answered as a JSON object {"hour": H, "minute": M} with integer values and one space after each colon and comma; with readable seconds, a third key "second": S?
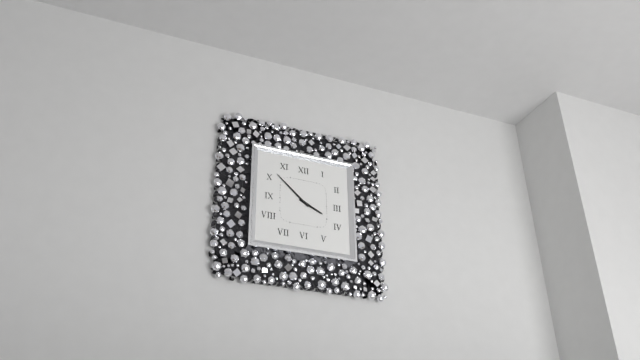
{"hour": 3, "minute": 52}
